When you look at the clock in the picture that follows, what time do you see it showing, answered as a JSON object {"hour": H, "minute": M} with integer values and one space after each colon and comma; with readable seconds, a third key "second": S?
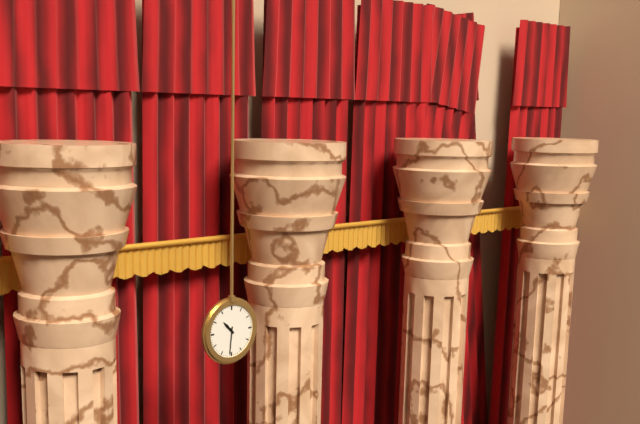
{"hour": 10, "minute": 31}
